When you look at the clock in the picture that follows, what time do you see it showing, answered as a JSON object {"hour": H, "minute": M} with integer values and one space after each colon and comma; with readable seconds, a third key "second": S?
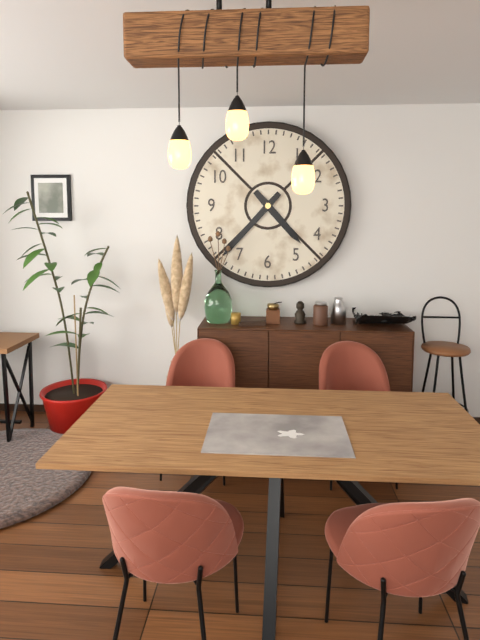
{"hour": 4, "minute": 37}
